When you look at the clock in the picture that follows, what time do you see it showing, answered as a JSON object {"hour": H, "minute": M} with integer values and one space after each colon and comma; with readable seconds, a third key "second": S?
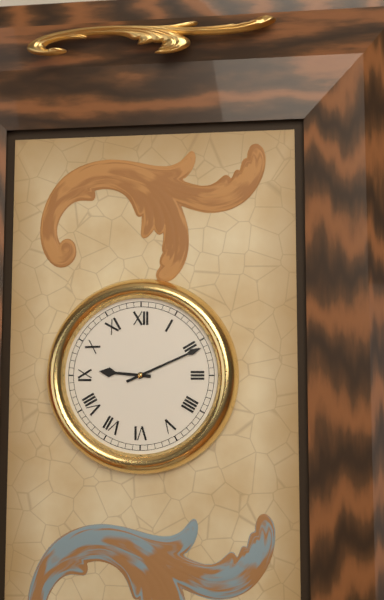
{"hour": 9, "minute": 11}
